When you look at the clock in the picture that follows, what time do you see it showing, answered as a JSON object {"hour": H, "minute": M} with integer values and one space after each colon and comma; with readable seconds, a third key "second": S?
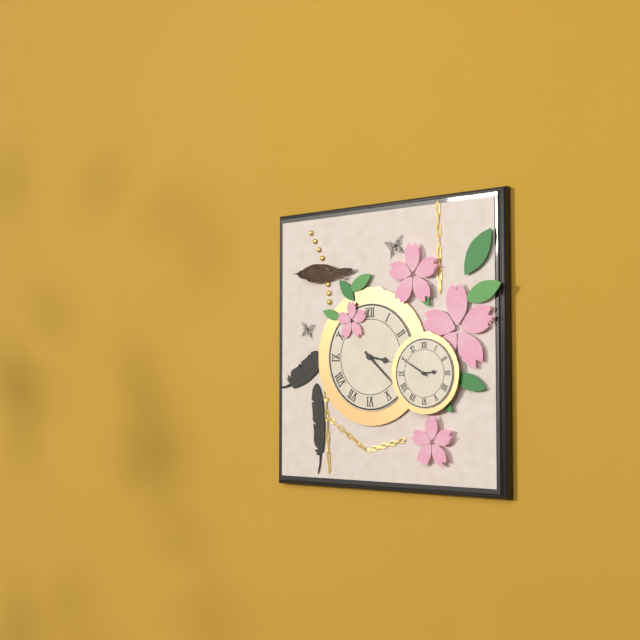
{"hour": 3, "minute": 22}
